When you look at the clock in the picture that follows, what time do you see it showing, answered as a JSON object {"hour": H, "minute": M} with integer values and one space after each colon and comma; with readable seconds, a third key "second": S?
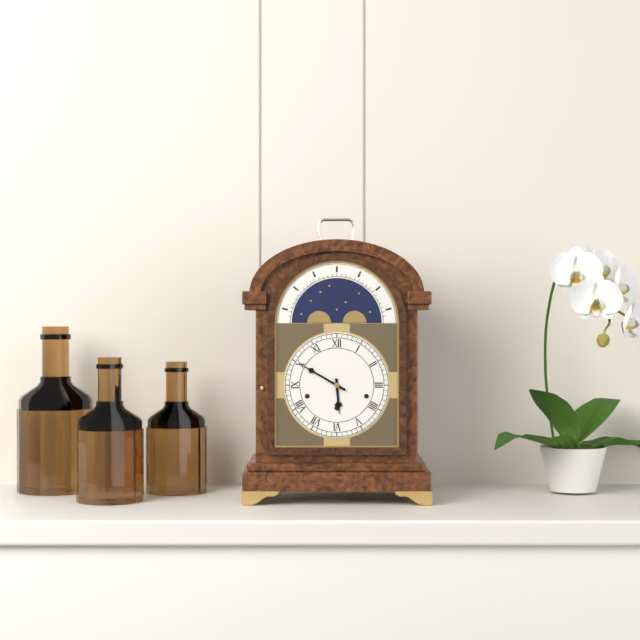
{"hour": 5, "minute": 50}
